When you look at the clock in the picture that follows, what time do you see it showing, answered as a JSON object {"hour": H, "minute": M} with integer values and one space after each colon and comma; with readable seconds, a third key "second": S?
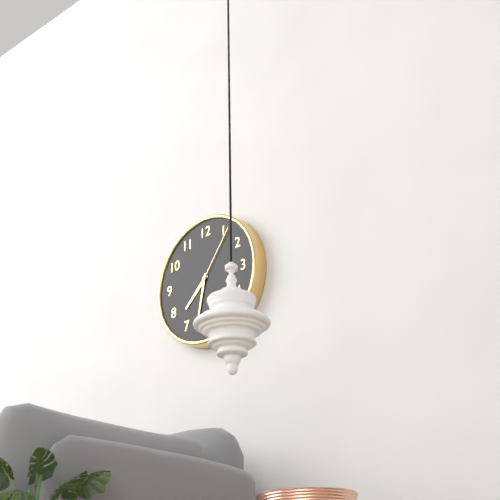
{"hour": 7, "minute": 32, "second": 6}
